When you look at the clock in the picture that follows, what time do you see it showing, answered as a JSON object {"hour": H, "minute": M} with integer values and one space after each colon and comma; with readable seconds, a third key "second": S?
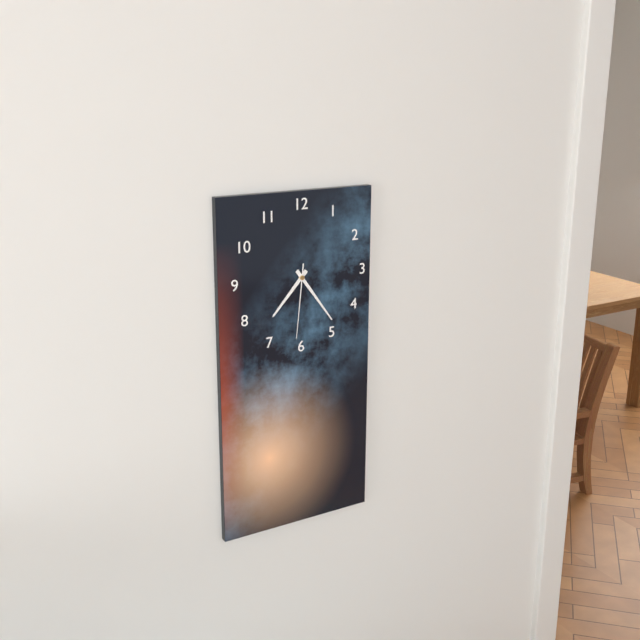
{"hour": 7, "minute": 24, "second": 31}
